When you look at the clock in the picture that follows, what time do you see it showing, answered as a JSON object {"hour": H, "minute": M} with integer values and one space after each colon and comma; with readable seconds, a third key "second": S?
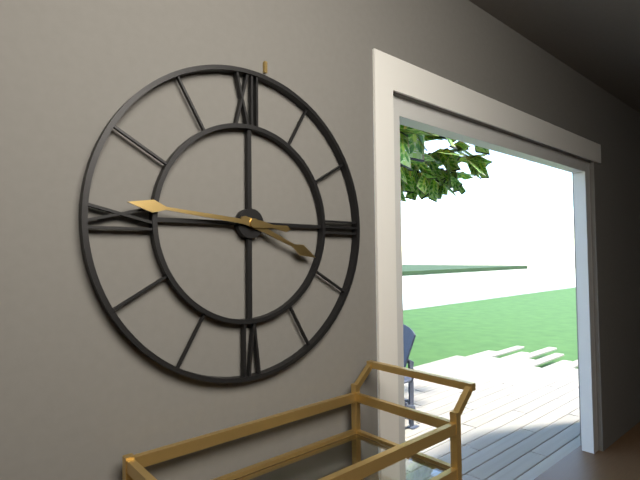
{"hour": 3, "minute": 46}
